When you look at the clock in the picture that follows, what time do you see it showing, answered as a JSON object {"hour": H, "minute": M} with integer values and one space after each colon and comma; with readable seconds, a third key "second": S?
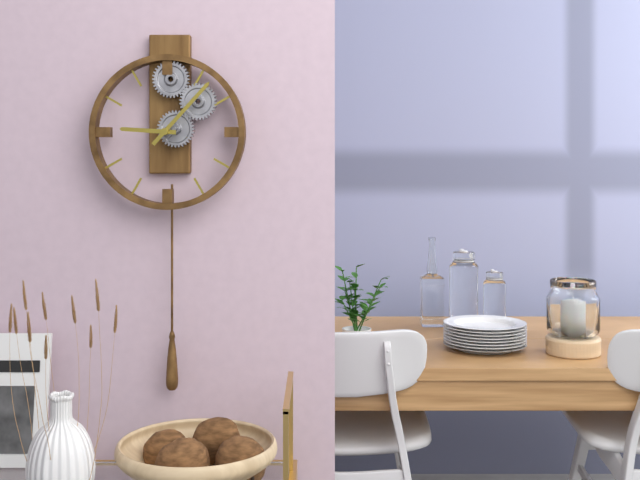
{"hour": 9, "minute": 7}
